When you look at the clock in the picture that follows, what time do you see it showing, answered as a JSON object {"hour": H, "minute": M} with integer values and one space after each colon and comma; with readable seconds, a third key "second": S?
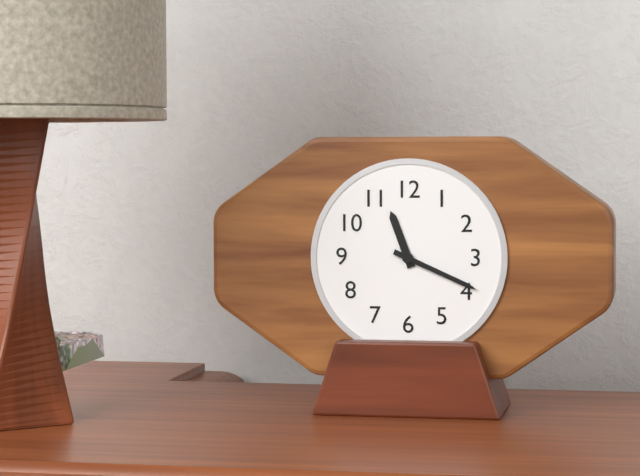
{"hour": 11, "minute": 19}
